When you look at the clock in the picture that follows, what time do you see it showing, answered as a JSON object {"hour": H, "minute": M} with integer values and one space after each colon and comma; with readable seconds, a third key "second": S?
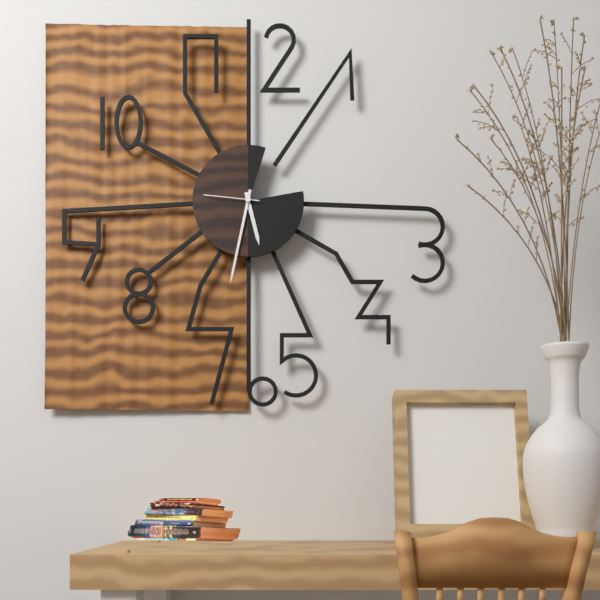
{"hour": 5, "minute": 32, "second": 46}
